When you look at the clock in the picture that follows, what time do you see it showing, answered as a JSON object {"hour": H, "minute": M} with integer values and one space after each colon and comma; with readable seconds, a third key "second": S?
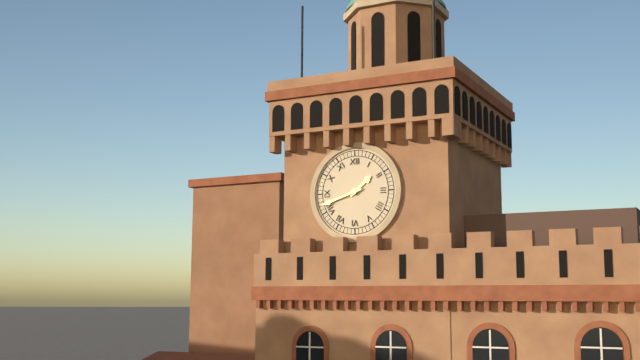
{"hour": 1, "minute": 42}
